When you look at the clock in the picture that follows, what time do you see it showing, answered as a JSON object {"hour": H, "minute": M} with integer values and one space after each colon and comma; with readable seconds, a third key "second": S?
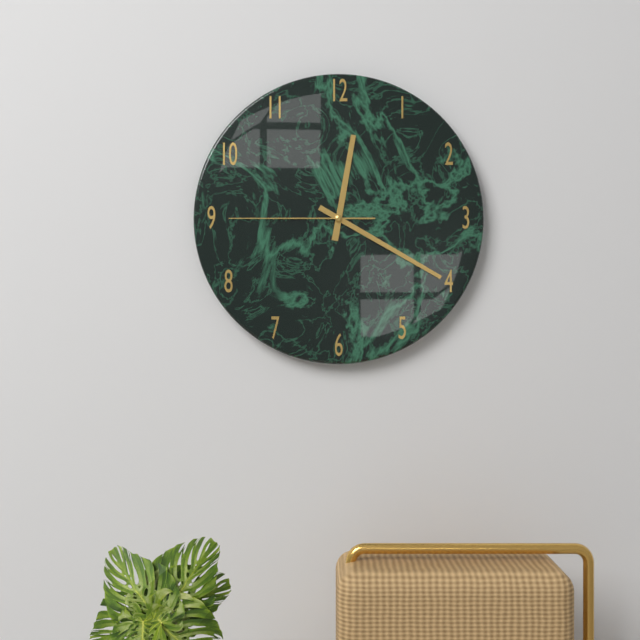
{"hour": 12, "minute": 20, "second": 45}
